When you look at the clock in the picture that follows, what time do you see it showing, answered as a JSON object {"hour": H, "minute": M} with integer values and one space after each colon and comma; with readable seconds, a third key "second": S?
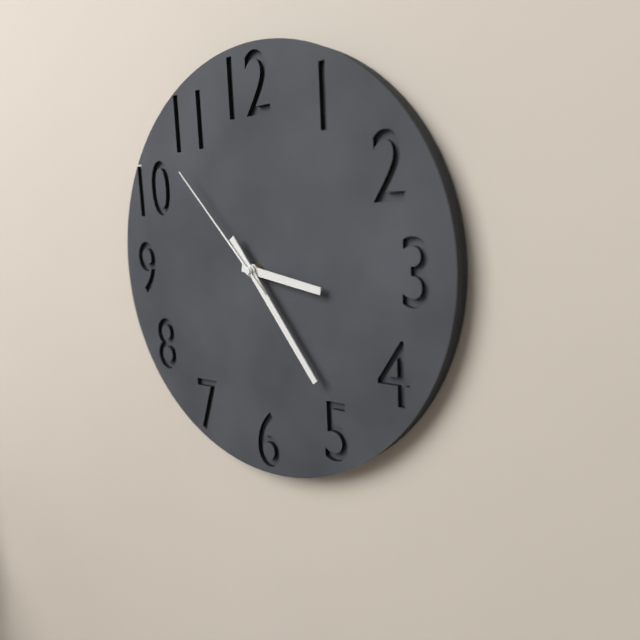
{"hour": 3, "minute": 24, "second": 53}
